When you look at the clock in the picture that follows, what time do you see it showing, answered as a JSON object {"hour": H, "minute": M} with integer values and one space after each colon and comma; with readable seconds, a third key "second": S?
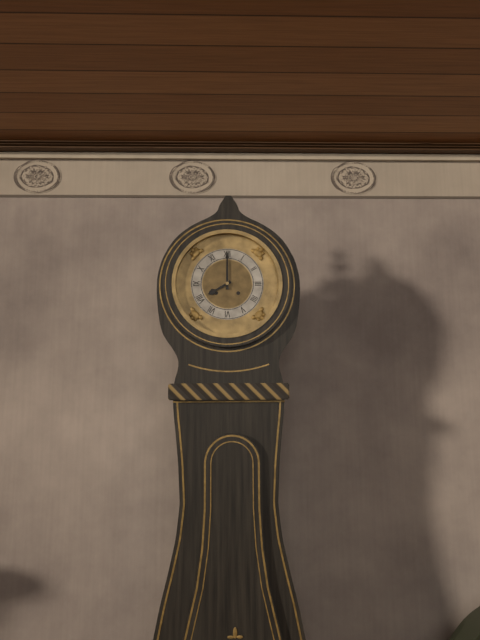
{"hour": 8, "minute": 0}
